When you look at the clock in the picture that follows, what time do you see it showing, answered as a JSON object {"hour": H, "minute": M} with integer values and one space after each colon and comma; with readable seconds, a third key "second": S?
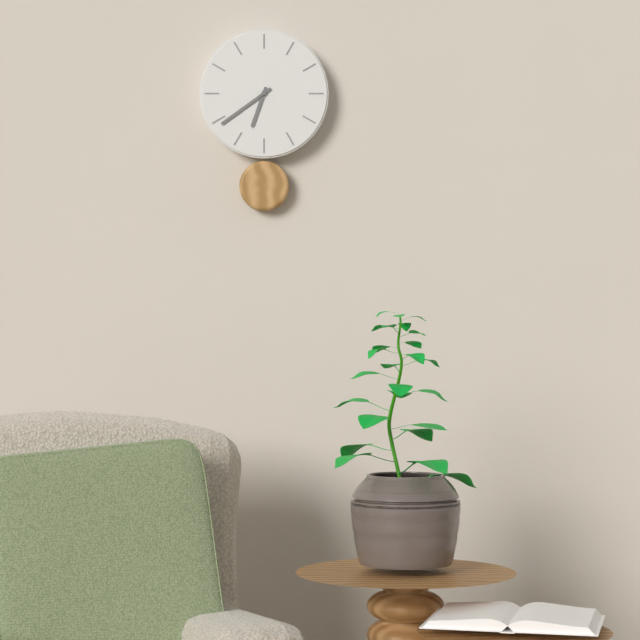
{"hour": 6, "minute": 39}
